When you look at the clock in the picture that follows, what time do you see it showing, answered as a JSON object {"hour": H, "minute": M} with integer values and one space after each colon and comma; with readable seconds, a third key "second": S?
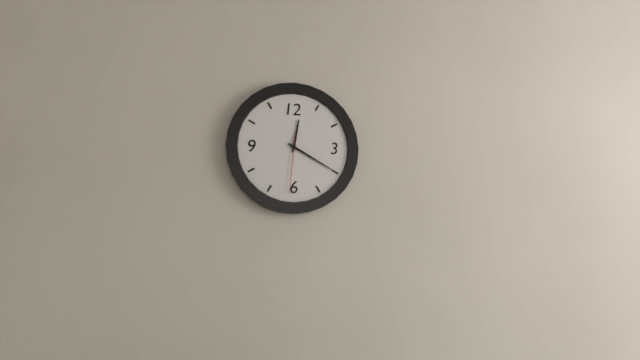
{"hour": 12, "minute": 20, "second": 31}
